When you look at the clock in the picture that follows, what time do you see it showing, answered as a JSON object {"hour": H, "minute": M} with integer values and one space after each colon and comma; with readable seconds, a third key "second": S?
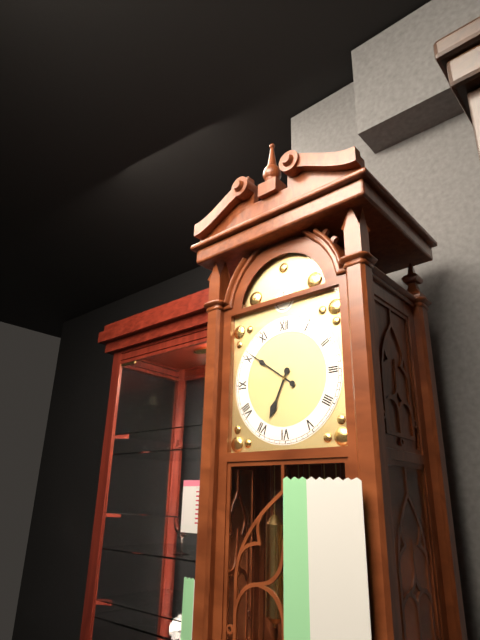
{"hour": 6, "minute": 51}
